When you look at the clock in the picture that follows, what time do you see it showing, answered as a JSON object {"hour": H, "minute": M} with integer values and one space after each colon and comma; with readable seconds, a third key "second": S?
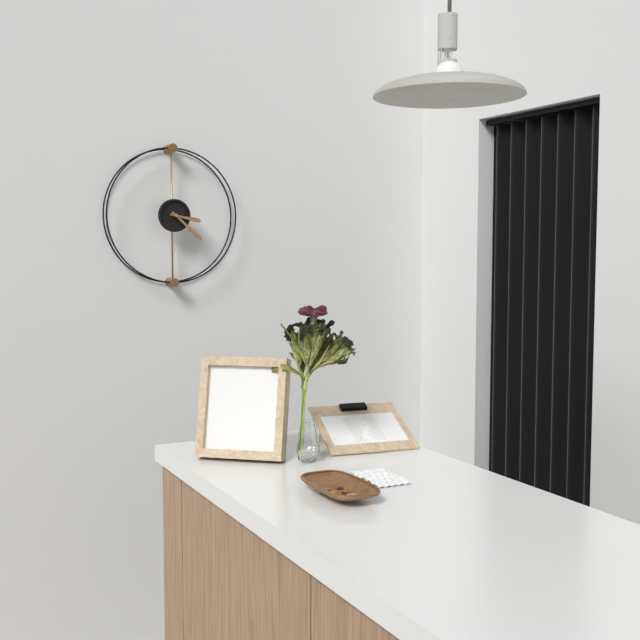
{"hour": 3, "minute": 22}
